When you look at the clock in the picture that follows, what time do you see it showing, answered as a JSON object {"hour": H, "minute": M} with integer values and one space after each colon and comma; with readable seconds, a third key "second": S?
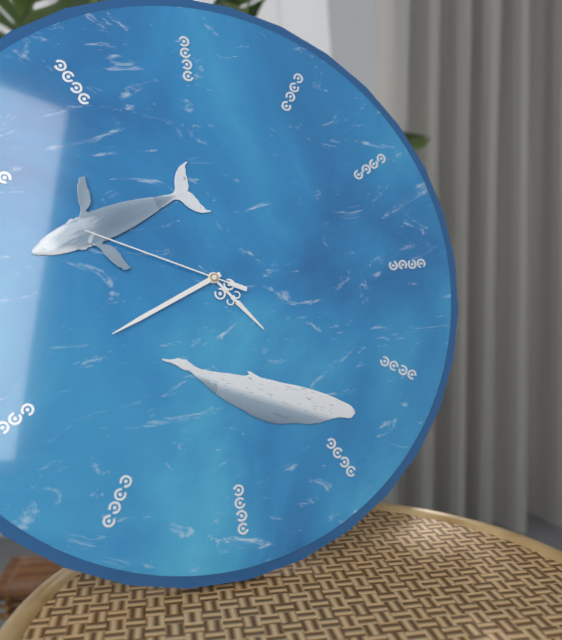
{"hour": 4, "minute": 41, "second": 49}
